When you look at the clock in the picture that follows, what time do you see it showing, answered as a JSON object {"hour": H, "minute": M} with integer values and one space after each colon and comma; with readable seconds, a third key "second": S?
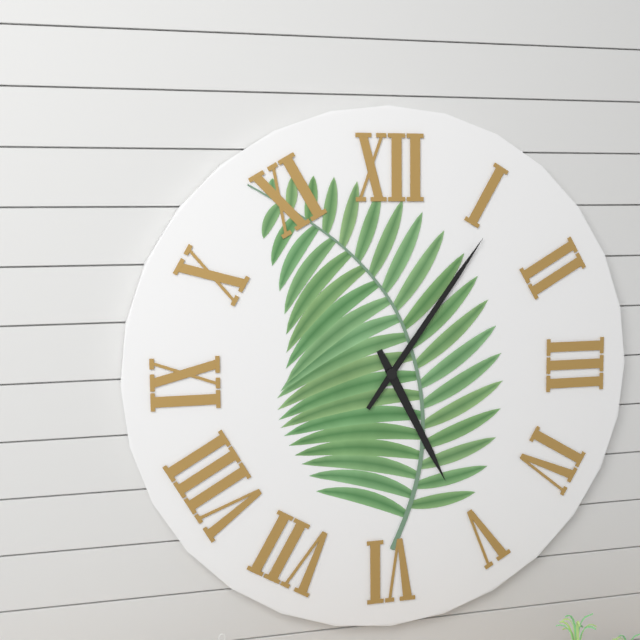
{"hour": 5, "minute": 6}
